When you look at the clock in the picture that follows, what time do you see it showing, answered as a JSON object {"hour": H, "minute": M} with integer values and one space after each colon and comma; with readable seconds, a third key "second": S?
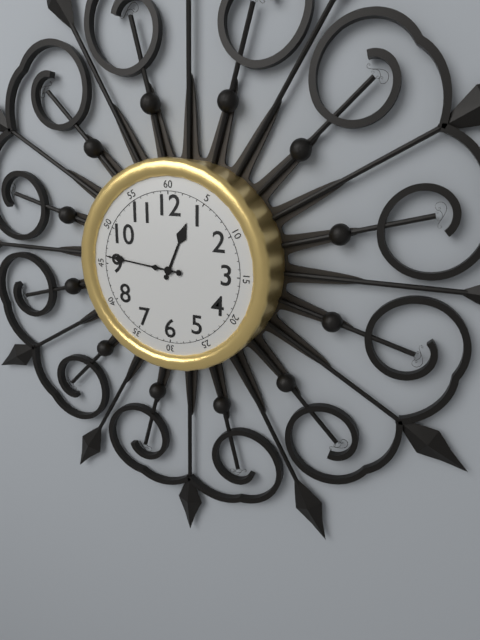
{"hour": 12, "minute": 46}
